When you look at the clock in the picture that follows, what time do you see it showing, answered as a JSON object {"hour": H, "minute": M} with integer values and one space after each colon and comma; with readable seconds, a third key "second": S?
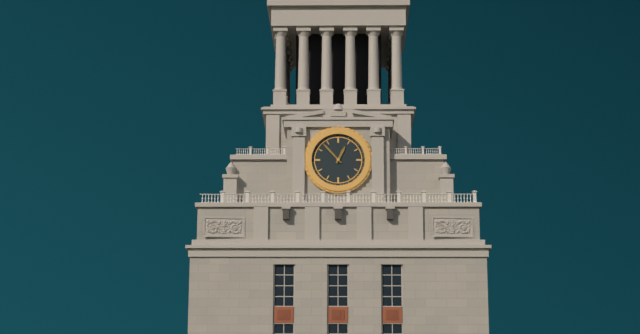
{"hour": 12, "minute": 53}
